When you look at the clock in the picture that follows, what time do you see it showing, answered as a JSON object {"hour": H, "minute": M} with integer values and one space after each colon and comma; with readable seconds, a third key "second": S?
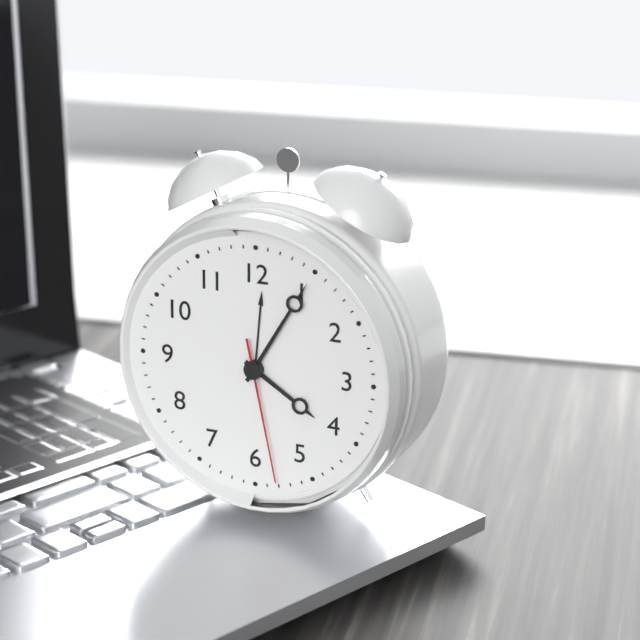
{"hour": 4, "minute": 5, "second": 28}
